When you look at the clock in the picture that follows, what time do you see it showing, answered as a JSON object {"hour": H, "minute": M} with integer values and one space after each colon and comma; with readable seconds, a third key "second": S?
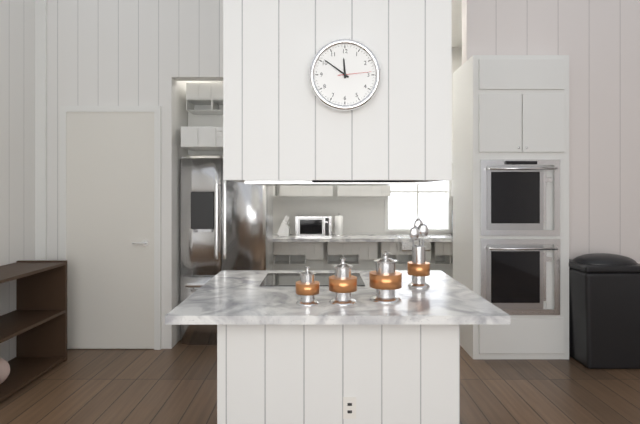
{"hour": 11, "minute": 51}
